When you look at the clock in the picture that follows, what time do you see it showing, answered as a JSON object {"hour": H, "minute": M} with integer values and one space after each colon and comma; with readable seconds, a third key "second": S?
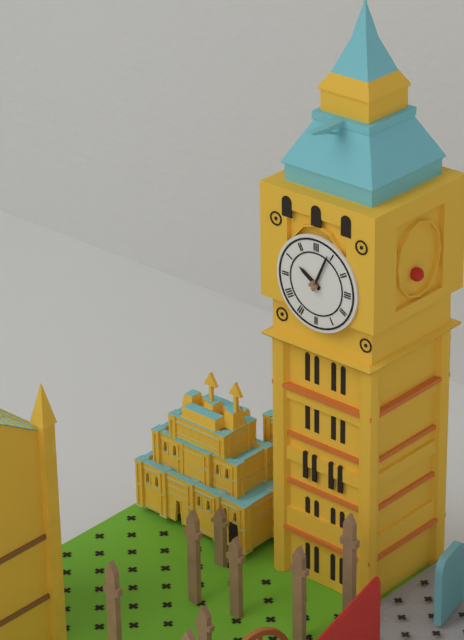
{"hour": 10, "minute": 4}
